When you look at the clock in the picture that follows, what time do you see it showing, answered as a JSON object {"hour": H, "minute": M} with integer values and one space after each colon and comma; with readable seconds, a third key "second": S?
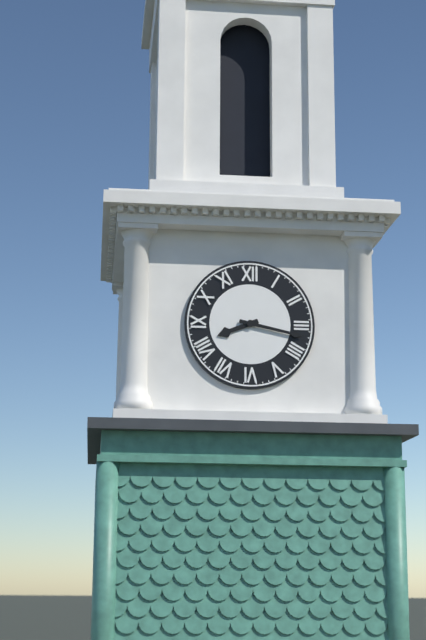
{"hour": 8, "minute": 17}
